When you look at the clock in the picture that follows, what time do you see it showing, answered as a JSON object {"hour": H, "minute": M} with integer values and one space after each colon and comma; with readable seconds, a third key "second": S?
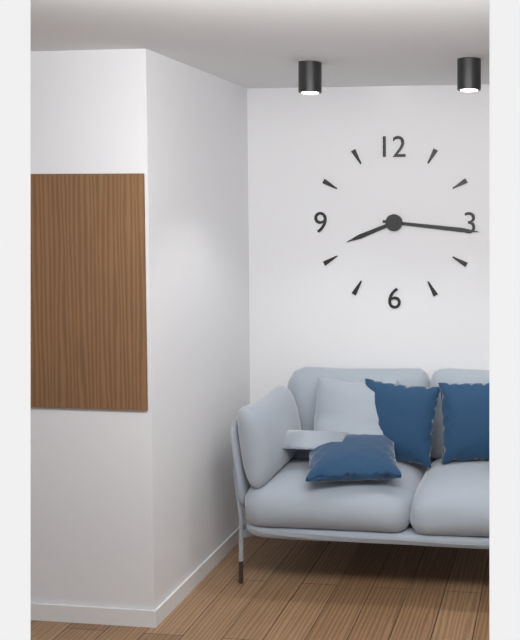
{"hour": 8, "minute": 16}
